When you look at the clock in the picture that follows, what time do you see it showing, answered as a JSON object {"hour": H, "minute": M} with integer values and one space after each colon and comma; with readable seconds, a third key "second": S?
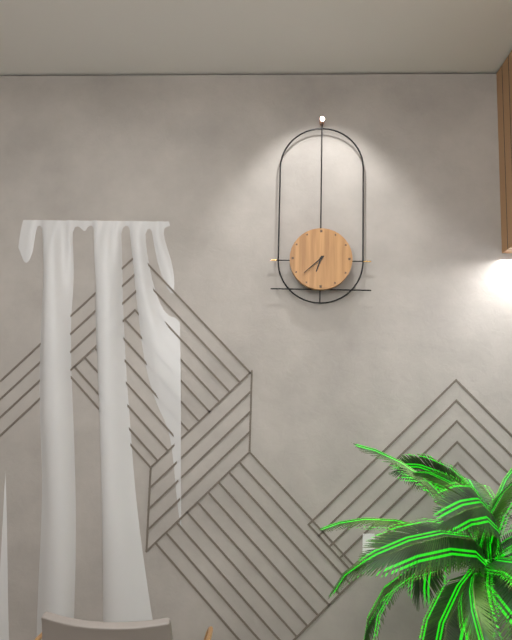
{"hour": 6, "minute": 38}
